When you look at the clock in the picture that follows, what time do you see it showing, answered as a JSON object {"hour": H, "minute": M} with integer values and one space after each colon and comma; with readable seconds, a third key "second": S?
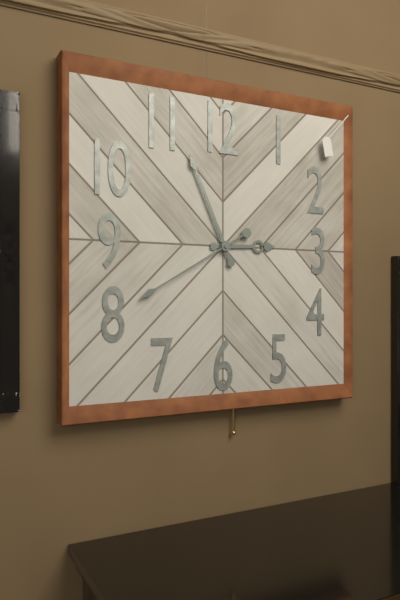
{"hour": 2, "minute": 56, "second": 40}
